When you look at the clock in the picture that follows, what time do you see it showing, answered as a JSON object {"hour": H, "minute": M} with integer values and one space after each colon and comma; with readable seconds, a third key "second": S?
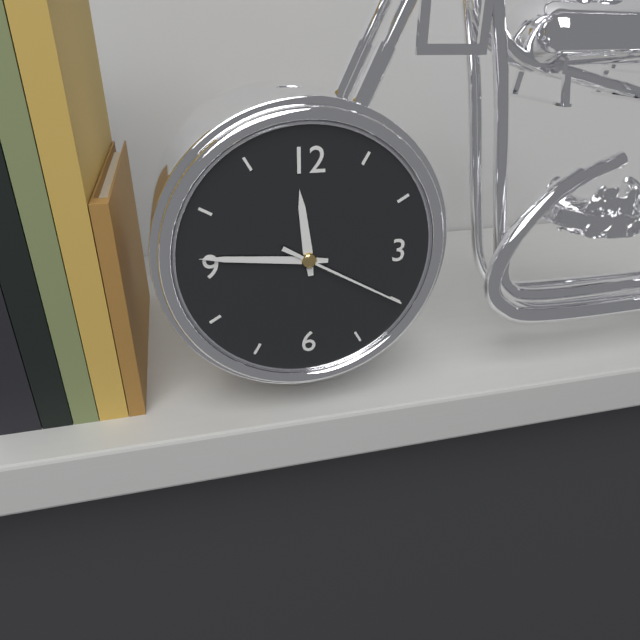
{"hour": 11, "minute": 46, "second": 20}
